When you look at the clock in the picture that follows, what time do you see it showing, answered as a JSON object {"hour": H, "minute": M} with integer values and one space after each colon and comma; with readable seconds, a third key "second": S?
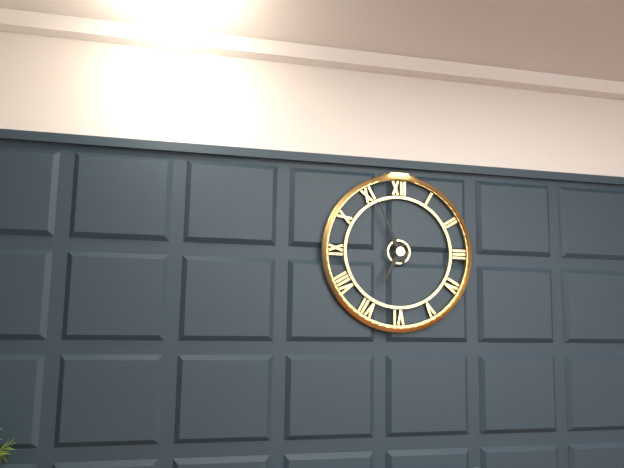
{"hour": 6, "minute": 56}
